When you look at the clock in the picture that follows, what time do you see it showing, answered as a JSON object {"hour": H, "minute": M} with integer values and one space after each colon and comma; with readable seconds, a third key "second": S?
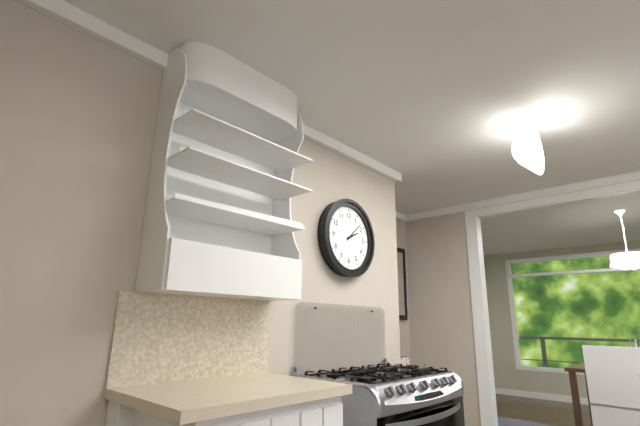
{"hour": 2, "minute": 8}
